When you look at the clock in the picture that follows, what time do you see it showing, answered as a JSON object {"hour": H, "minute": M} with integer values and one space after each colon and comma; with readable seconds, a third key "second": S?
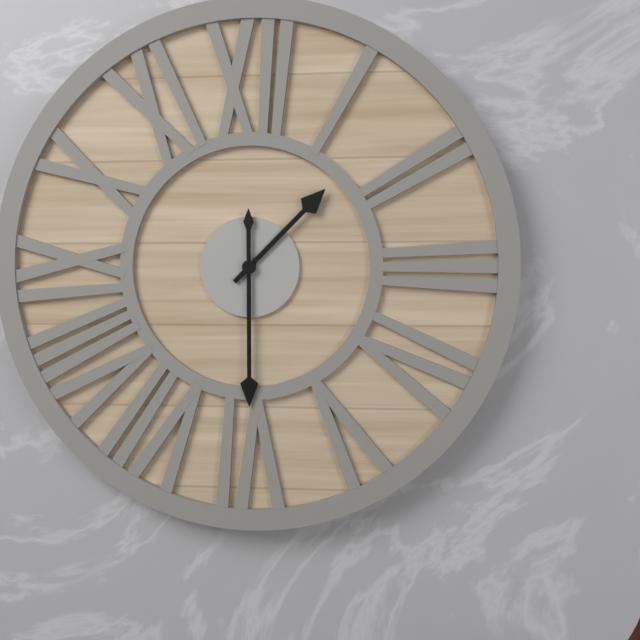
{"hour": 1, "minute": 30}
